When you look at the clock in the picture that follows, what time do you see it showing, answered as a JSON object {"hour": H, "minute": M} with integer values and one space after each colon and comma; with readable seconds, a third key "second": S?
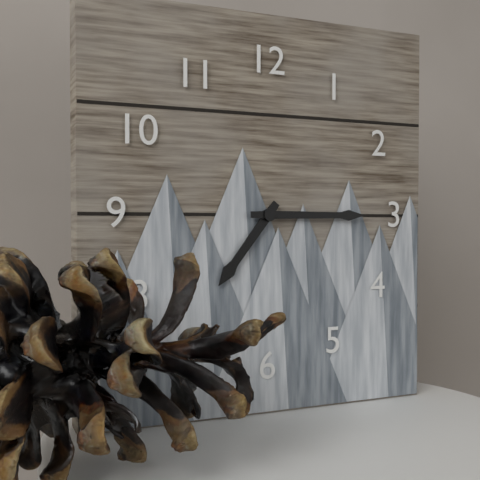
{"hour": 7, "minute": 15}
